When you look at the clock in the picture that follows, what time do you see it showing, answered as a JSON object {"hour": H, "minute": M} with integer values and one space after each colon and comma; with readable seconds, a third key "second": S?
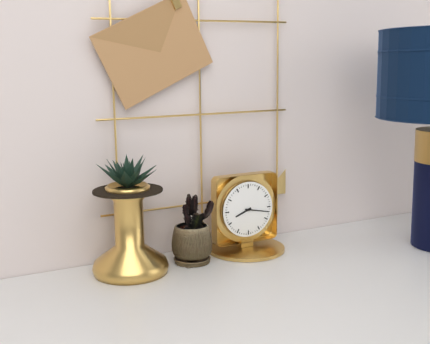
{"hour": 8, "minute": 17}
